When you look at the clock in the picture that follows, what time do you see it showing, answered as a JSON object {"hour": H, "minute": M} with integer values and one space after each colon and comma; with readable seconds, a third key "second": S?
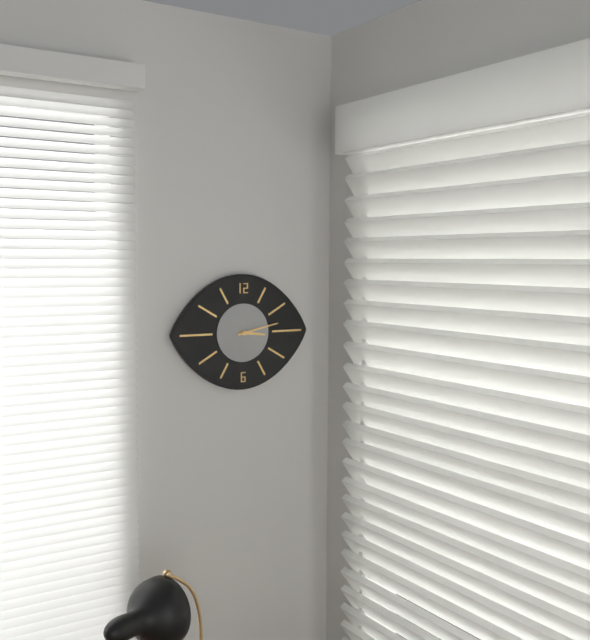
{"hour": 3, "minute": 13}
